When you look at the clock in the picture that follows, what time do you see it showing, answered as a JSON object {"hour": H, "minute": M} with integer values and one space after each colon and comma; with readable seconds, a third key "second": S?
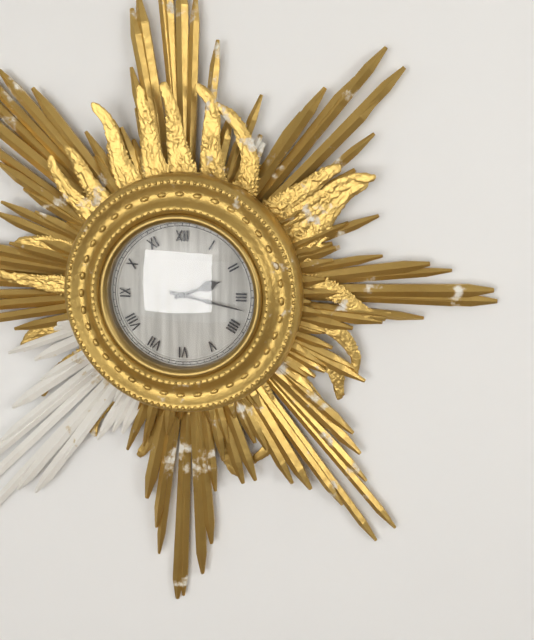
{"hour": 2, "minute": 17}
